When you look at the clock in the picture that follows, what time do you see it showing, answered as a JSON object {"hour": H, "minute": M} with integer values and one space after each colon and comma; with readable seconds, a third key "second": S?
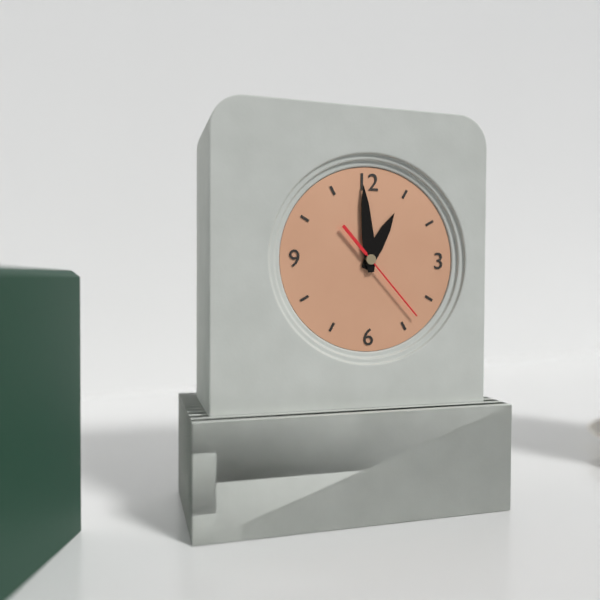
{"hour": 12, "minute": 59, "second": 23}
